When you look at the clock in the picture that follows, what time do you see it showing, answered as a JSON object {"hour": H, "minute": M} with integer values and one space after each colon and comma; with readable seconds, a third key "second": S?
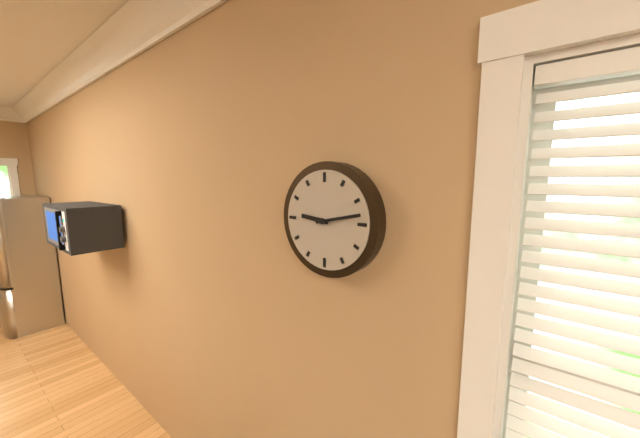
{"hour": 9, "minute": 13}
